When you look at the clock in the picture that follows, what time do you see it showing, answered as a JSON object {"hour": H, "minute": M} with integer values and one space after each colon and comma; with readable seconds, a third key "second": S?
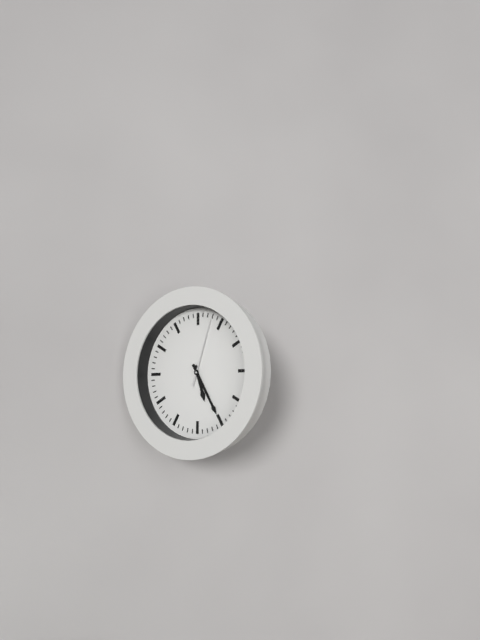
{"hour": 5, "minute": 25, "second": 3}
